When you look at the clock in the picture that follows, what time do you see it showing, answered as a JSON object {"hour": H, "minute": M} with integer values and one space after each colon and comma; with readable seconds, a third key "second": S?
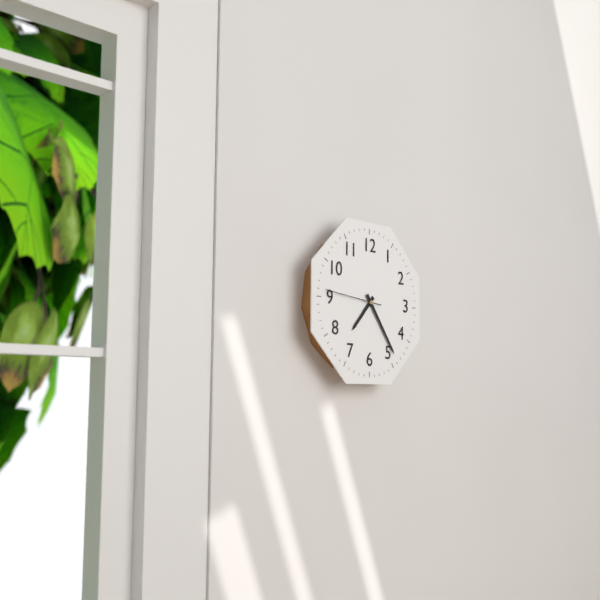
{"hour": 7, "minute": 24, "second": 46}
